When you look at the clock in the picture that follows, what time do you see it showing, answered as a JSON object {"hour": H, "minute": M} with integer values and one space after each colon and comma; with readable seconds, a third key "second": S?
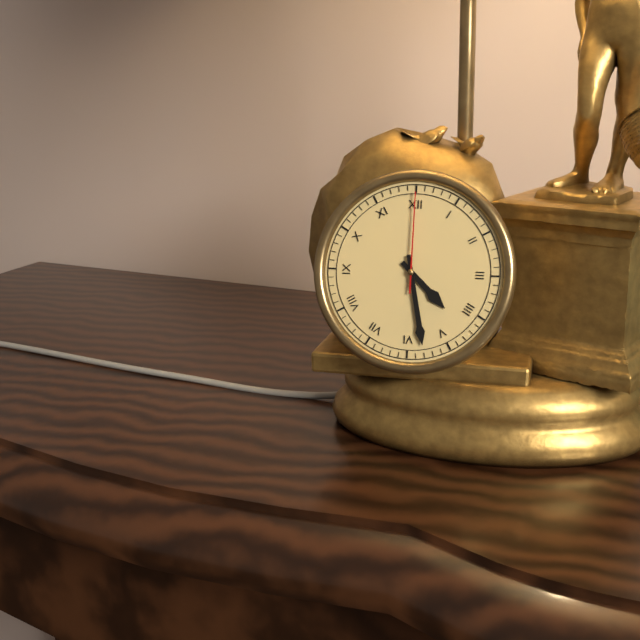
{"hour": 4, "minute": 28, "second": 0}
